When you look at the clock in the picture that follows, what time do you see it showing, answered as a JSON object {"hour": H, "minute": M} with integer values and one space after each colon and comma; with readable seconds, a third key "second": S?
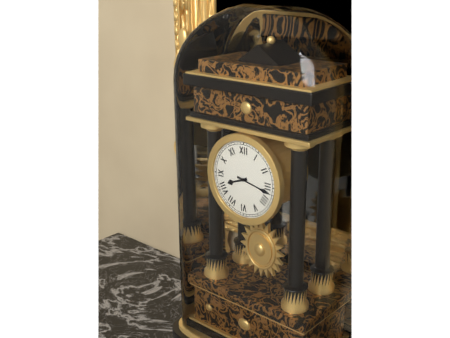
{"hour": 8, "minute": 17}
